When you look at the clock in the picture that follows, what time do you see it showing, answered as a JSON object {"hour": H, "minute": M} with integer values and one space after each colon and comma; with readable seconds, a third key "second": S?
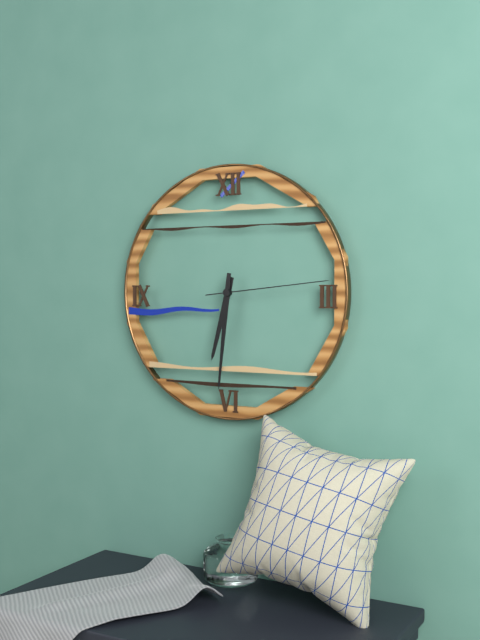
{"hour": 6, "minute": 31, "second": 14}
